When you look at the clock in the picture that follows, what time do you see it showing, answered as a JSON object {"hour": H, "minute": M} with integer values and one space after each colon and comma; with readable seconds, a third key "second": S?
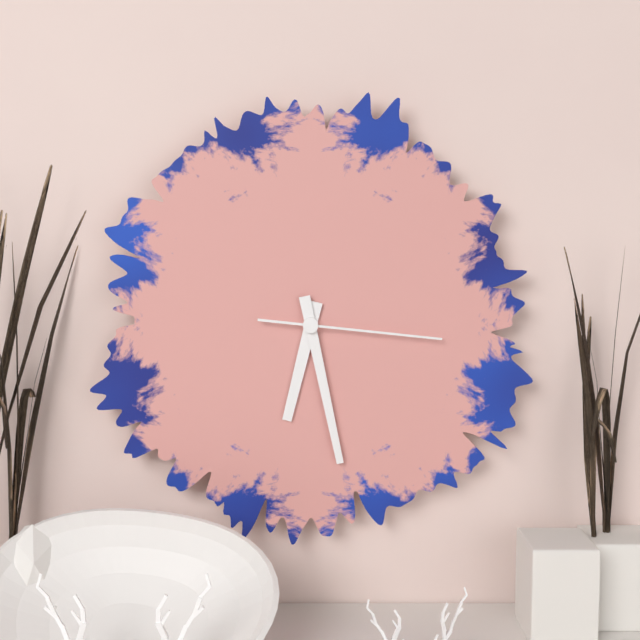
{"hour": 6, "minute": 28, "second": 16}
